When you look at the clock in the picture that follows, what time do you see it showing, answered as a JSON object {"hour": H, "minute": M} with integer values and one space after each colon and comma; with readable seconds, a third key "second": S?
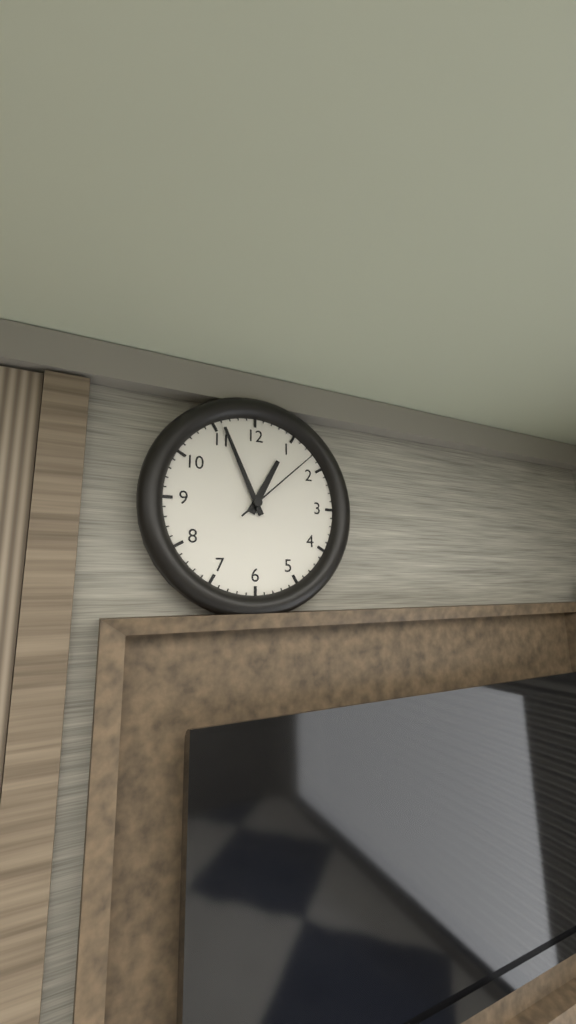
{"hour": 12, "minute": 56, "second": 8}
